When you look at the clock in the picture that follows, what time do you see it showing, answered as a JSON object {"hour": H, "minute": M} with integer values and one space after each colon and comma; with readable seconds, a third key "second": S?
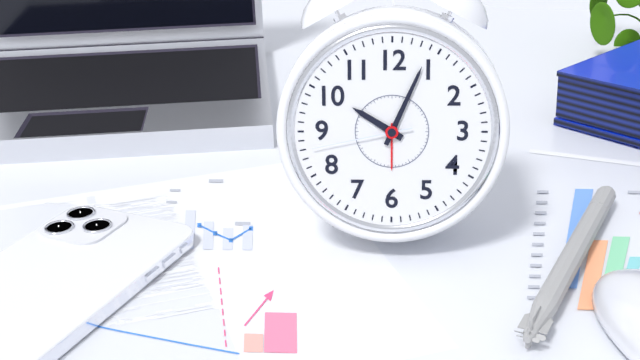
{"hour": 10, "minute": 4, "second": 43}
